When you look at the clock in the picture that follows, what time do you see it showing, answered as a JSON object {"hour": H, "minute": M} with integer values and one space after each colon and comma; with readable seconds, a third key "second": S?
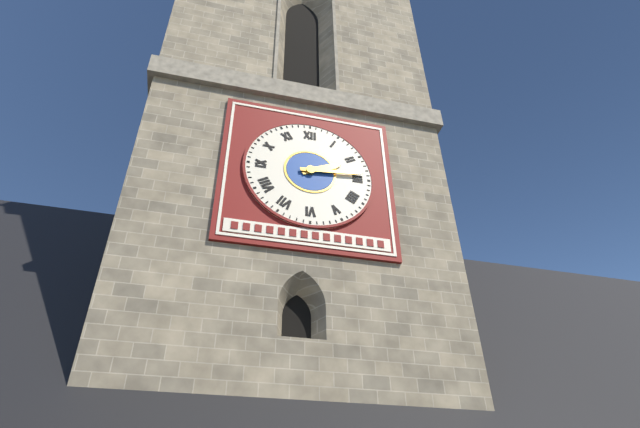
{"hour": 2, "minute": 14}
